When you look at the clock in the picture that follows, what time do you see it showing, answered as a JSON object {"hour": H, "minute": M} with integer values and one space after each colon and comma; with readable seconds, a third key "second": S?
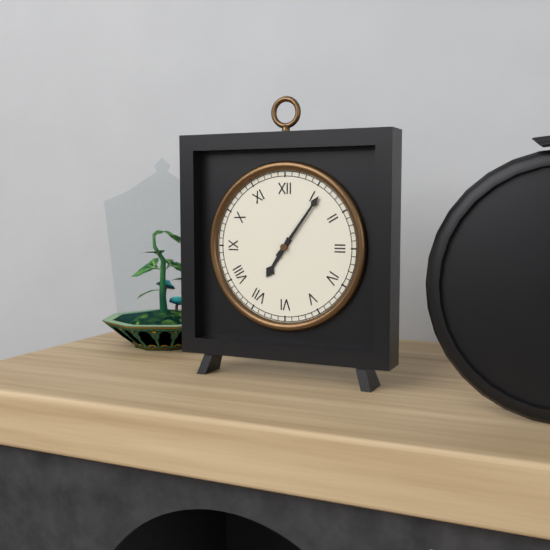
{"hour": 7, "minute": 6}
